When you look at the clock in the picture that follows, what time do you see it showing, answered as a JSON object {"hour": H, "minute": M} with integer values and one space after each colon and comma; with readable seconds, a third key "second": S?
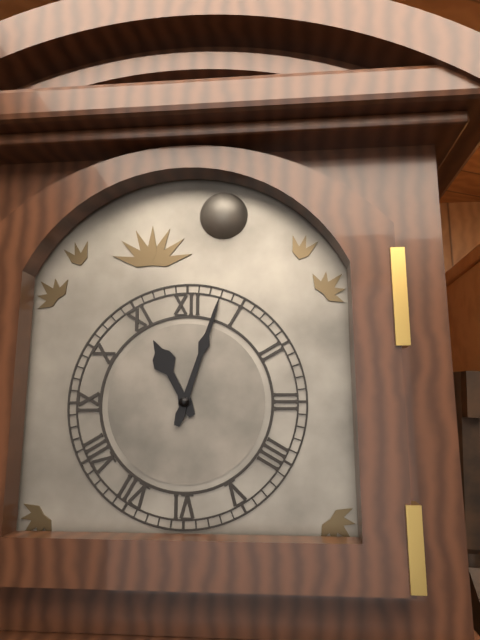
{"hour": 11, "minute": 3}
